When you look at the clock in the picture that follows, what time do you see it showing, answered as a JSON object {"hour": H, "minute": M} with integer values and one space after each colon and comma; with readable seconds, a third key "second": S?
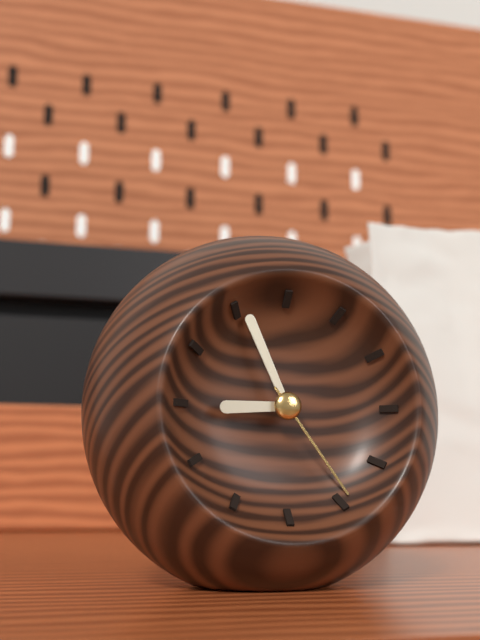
{"hour": 8, "minute": 56, "second": 24}
